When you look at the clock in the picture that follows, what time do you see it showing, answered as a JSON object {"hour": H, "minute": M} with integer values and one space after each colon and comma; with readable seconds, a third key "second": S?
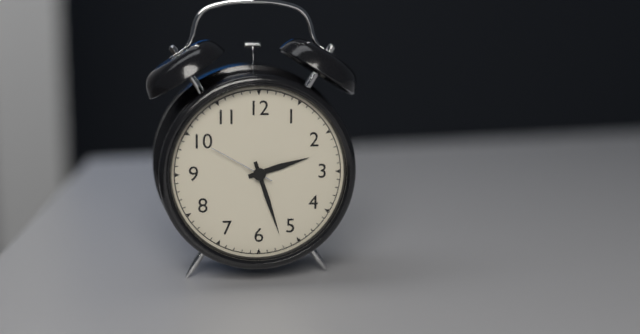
{"hour": 2, "minute": 27, "second": 50}
